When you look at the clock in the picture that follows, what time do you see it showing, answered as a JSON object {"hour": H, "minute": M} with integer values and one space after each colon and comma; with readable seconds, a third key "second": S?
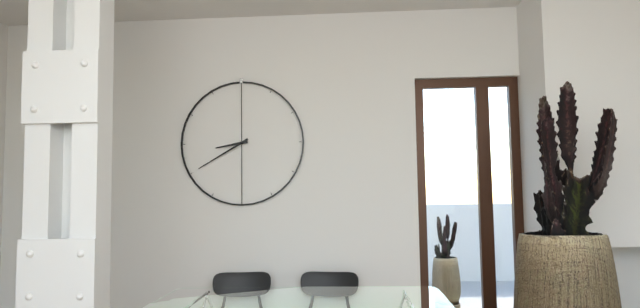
{"hour": 8, "minute": 40}
